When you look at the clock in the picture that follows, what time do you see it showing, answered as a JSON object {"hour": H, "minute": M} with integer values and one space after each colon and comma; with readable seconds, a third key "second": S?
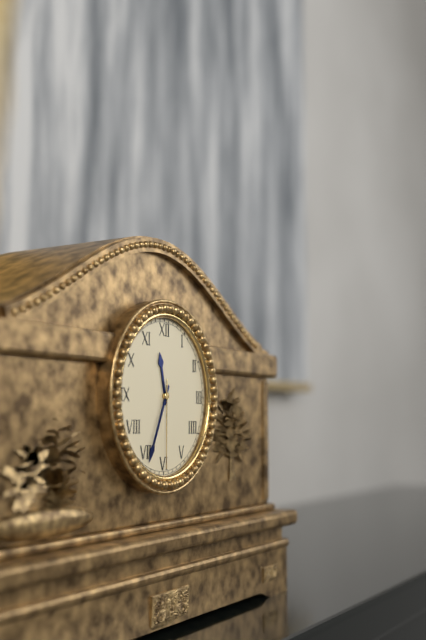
{"hour": 11, "minute": 34, "second": 30}
